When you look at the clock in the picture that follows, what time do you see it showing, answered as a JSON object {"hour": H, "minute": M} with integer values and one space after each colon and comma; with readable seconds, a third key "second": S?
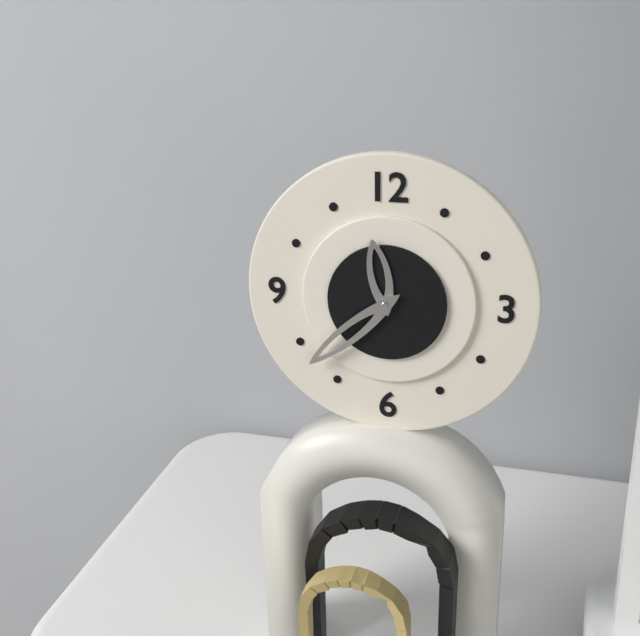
{"hour": 11, "minute": 38}
